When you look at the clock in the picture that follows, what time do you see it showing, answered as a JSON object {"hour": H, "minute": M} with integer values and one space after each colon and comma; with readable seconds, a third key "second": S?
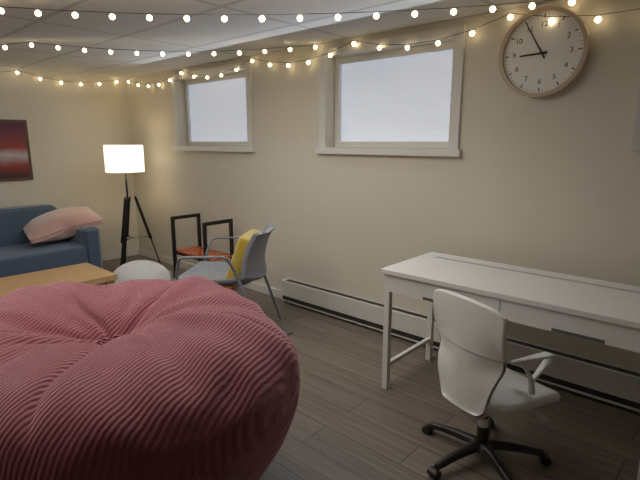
{"hour": 8, "minute": 55}
